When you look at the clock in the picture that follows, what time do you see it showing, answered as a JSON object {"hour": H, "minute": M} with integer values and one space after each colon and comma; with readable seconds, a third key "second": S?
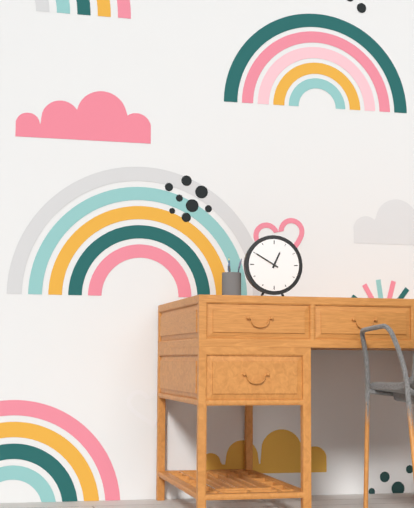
{"hour": 12, "minute": 50}
